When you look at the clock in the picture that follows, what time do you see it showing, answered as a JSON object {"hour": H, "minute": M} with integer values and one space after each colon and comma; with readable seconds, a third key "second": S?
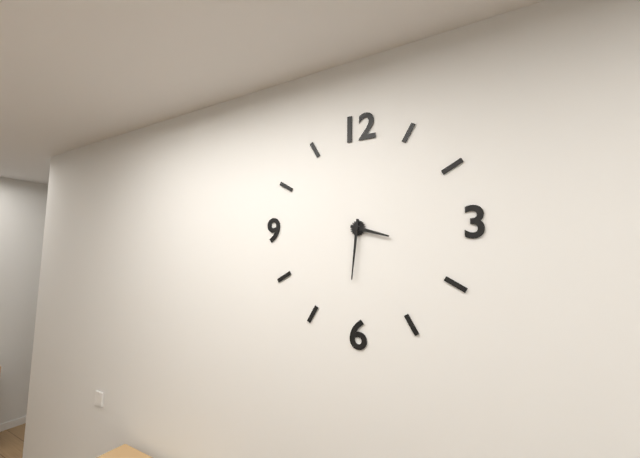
{"hour": 3, "minute": 31}
